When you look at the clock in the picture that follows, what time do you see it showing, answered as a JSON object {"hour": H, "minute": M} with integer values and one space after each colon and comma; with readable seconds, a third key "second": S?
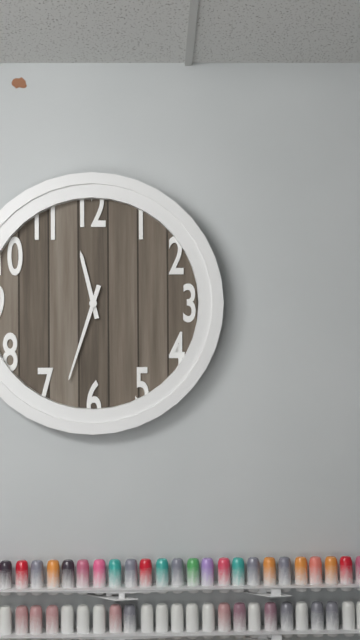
{"hour": 11, "minute": 33}
